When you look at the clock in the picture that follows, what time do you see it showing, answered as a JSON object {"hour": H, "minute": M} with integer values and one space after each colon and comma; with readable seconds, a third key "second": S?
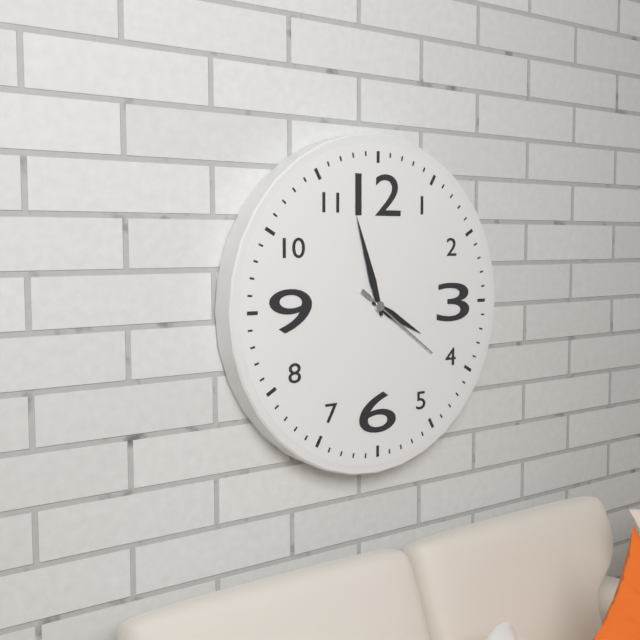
{"hour": 3, "minute": 57, "second": 21}
